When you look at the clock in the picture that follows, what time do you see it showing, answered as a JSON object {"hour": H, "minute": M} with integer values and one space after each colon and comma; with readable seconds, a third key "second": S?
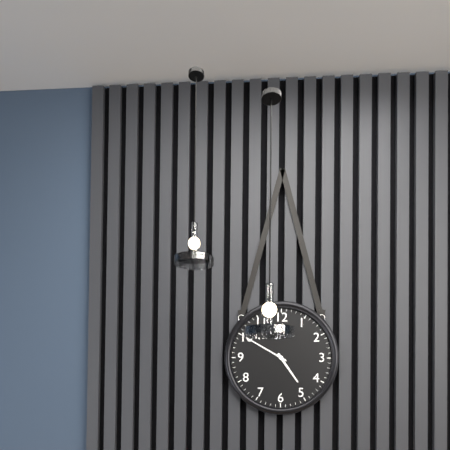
{"hour": 4, "minute": 50}
